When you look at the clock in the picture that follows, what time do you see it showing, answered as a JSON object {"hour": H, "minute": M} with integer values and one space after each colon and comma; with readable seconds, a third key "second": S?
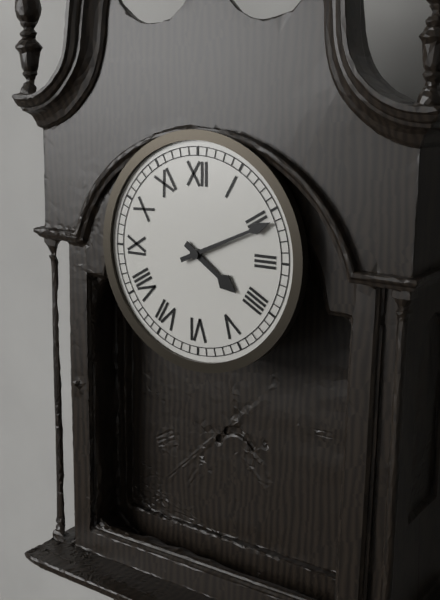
{"hour": 4, "minute": 11}
